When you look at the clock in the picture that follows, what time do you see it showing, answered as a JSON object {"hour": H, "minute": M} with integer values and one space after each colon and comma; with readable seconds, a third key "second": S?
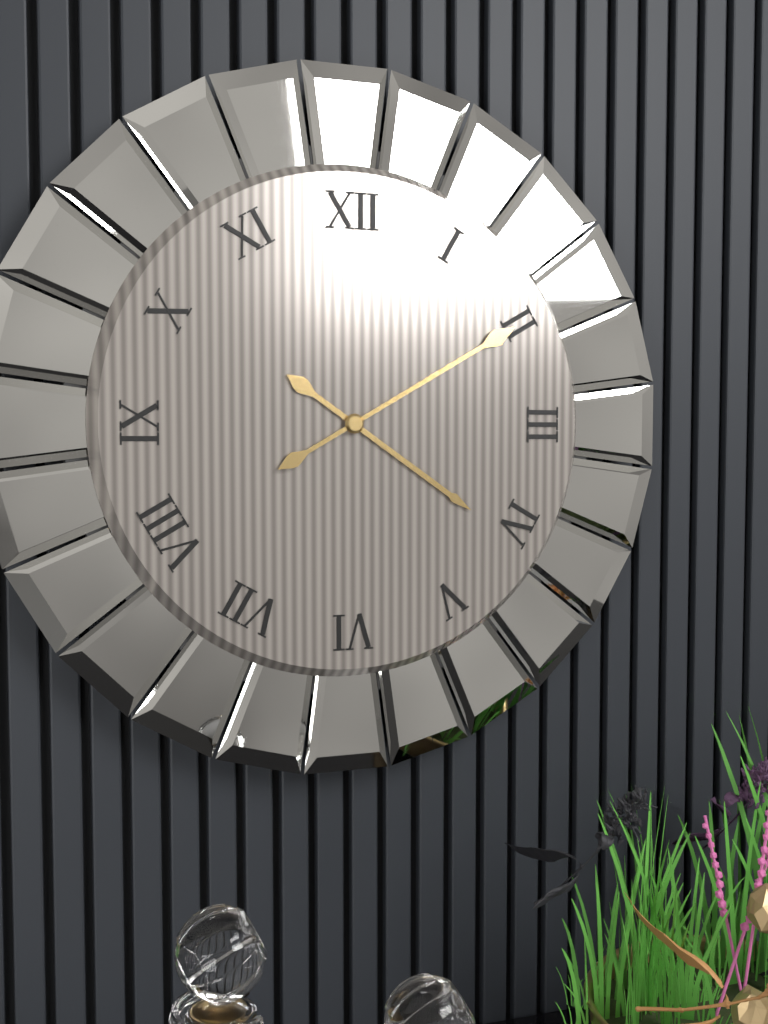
{"hour": 4, "minute": 10}
